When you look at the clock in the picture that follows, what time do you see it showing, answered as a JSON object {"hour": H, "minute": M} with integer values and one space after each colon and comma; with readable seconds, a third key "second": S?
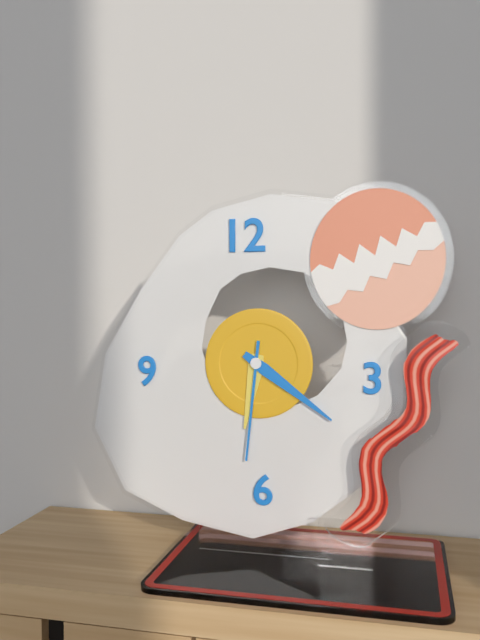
{"hour": 6, "minute": 21, "second": 31}
